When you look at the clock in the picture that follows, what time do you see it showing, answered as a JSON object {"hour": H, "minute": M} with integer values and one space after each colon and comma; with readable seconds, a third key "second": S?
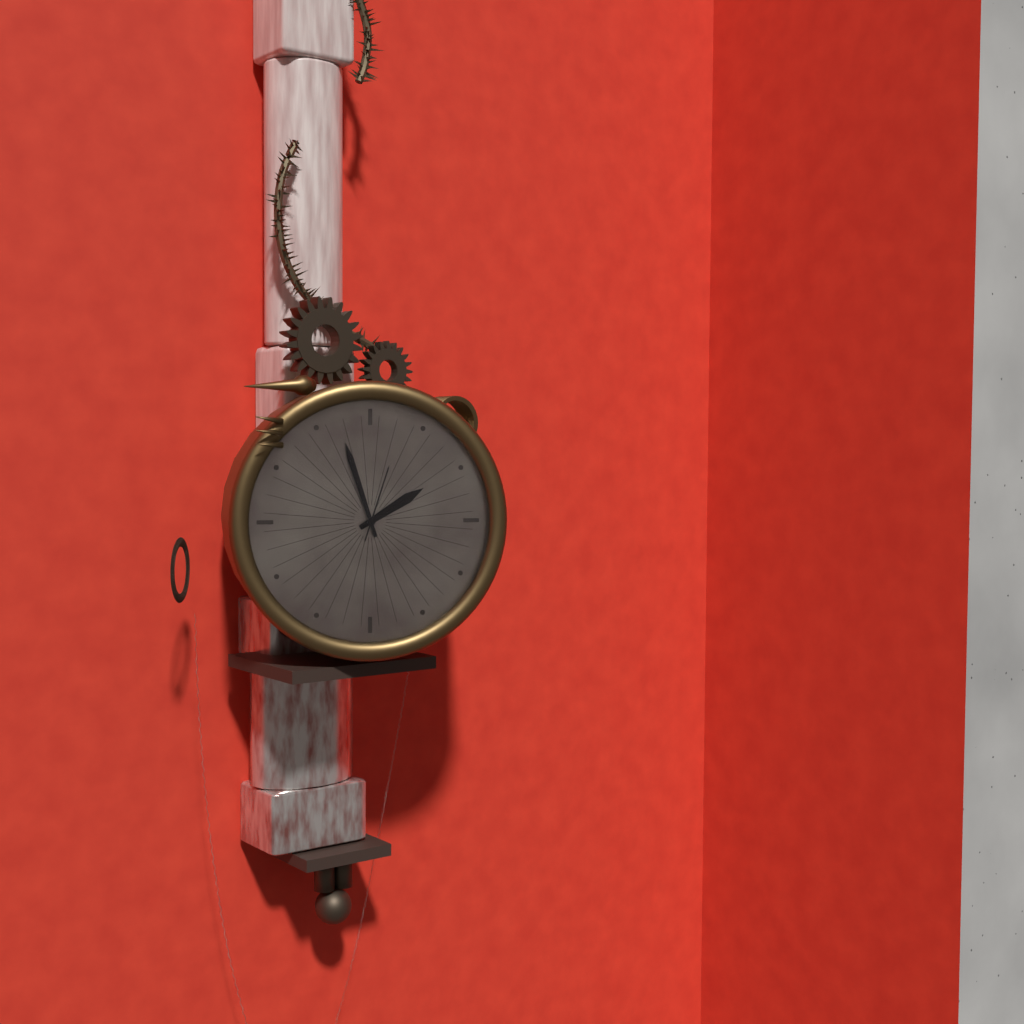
{"hour": 1, "minute": 57, "second": 3}
